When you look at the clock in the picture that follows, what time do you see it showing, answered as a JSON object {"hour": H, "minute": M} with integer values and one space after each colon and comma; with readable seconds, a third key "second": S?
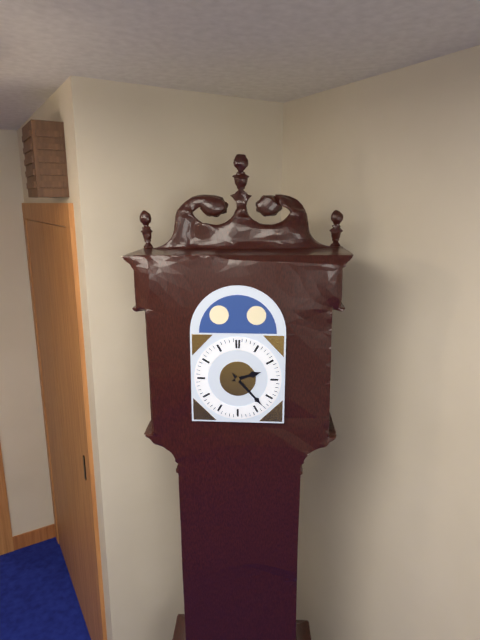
{"hour": 2, "minute": 23}
